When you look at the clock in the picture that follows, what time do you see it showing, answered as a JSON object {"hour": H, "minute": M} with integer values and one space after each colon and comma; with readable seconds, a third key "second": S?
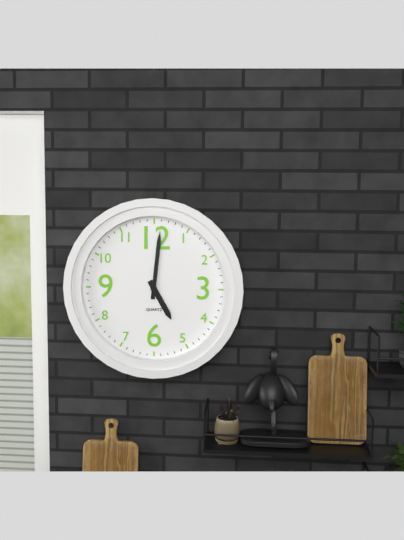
{"hour": 5, "minute": 1}
